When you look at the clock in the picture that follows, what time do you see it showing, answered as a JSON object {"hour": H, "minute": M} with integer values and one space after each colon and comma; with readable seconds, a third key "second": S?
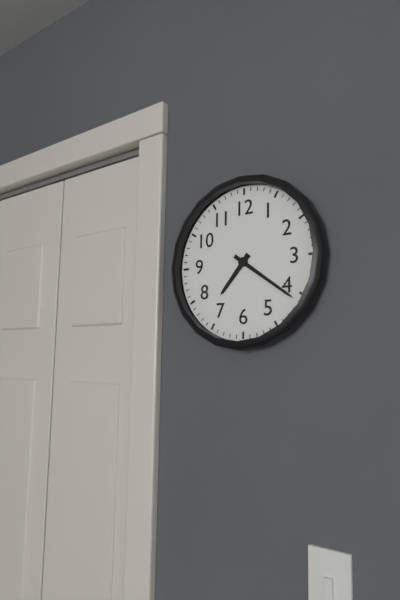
{"hour": 7, "minute": 21}
